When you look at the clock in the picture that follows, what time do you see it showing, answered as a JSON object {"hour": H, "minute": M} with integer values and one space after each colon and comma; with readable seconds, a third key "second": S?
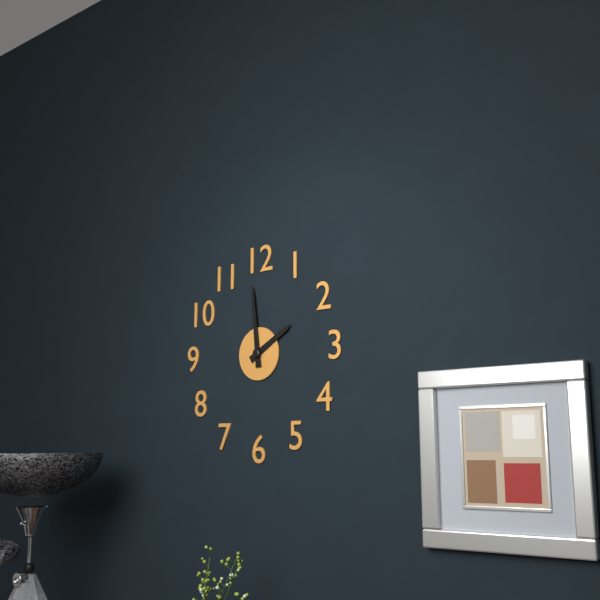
{"hour": 1, "minute": 59}
